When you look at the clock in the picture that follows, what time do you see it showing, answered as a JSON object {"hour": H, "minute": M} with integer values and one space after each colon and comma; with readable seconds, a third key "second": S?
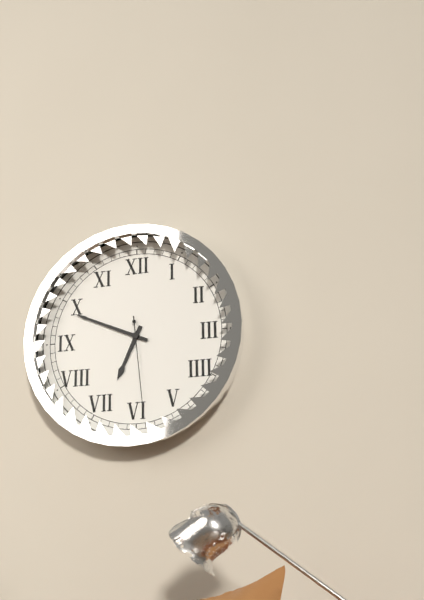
{"hour": 6, "minute": 49, "second": 29}
